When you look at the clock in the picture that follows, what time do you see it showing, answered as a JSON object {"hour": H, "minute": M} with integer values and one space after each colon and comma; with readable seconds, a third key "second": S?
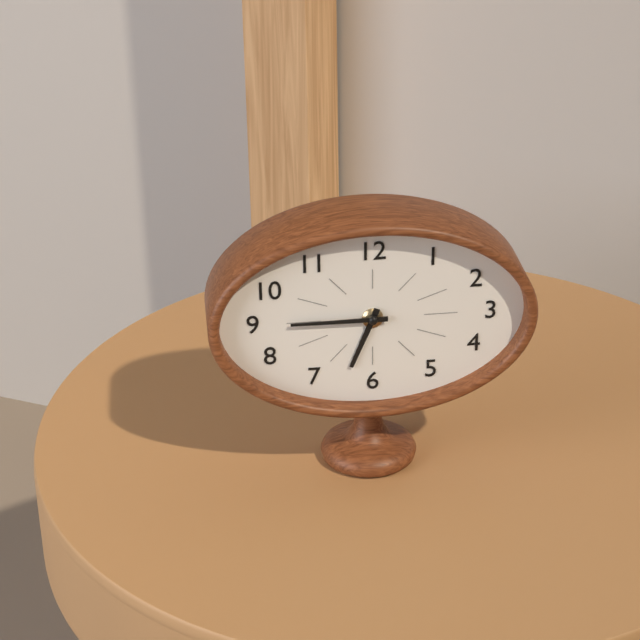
{"hour": 6, "minute": 45}
